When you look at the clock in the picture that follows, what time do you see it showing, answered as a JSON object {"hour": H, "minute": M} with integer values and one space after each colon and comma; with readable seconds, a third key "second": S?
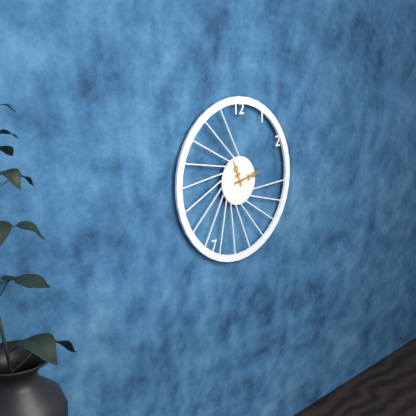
{"hour": 11, "minute": 13}
